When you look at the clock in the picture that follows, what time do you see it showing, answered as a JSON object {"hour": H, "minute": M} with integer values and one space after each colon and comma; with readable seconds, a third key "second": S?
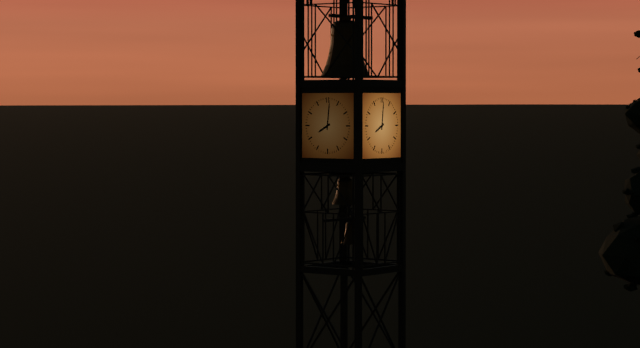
{"hour": 8, "minute": 1}
